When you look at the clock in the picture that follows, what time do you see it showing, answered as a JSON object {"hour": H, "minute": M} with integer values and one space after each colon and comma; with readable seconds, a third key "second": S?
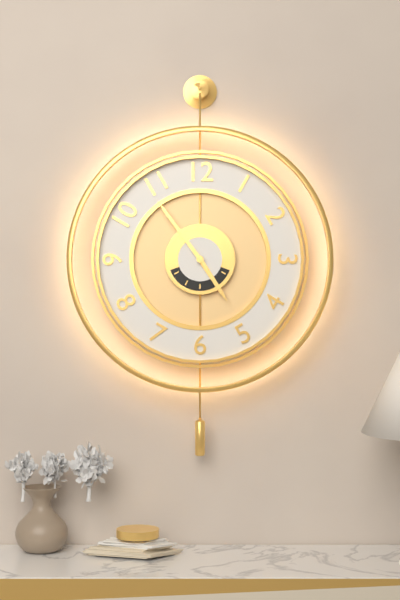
{"hour": 4, "minute": 54}
